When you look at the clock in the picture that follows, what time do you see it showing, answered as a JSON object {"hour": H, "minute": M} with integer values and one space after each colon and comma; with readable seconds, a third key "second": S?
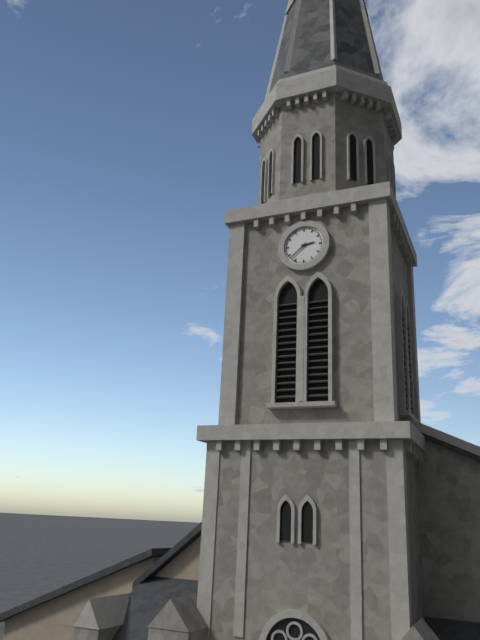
{"hour": 2, "minute": 38}
